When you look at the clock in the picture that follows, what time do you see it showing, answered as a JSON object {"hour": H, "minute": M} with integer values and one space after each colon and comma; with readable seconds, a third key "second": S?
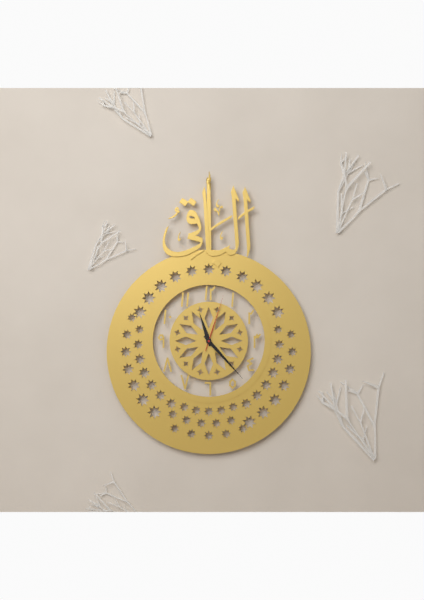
{"hour": 11, "minute": 23, "second": 3}
